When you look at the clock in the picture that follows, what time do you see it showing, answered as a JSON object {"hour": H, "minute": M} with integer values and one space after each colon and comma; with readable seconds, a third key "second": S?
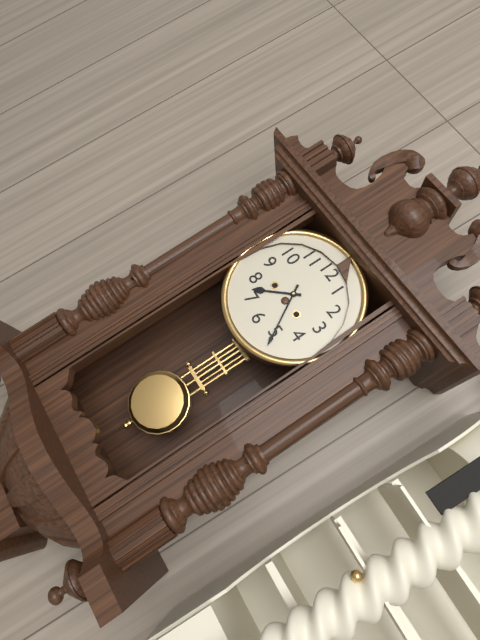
{"hour": 7, "minute": 25}
